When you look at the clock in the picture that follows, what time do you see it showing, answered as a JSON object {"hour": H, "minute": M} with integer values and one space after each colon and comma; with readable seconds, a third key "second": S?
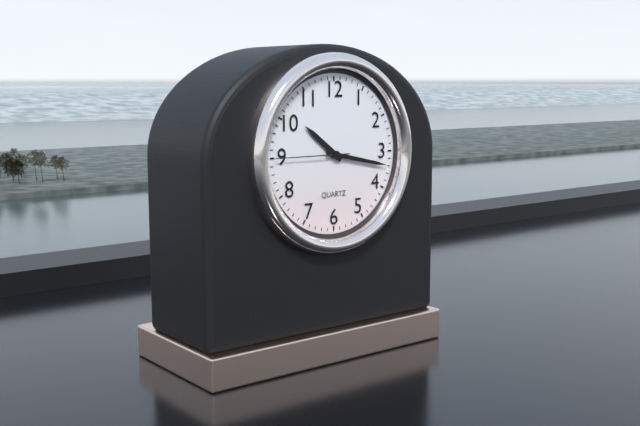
{"hour": 10, "minute": 17, "second": 45}
